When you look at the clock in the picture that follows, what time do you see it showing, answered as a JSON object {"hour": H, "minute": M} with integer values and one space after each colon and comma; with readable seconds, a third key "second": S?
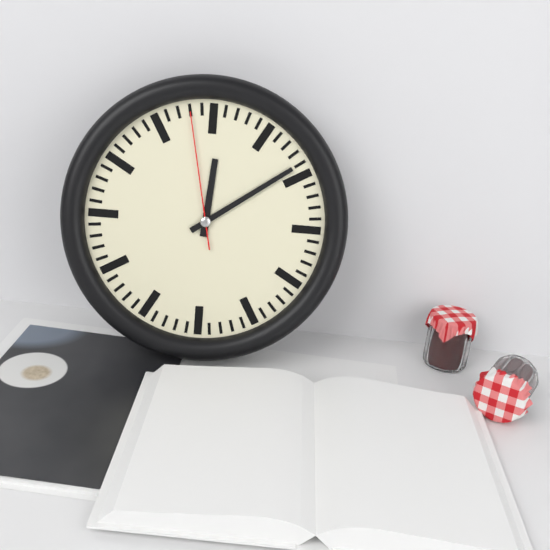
{"hour": 12, "minute": 9, "second": 58}
